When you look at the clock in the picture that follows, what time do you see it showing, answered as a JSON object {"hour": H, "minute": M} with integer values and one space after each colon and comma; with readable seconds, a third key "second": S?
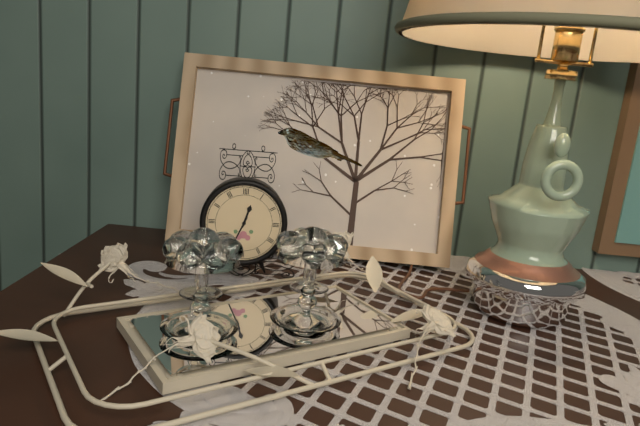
{"hour": 12, "minute": 34}
